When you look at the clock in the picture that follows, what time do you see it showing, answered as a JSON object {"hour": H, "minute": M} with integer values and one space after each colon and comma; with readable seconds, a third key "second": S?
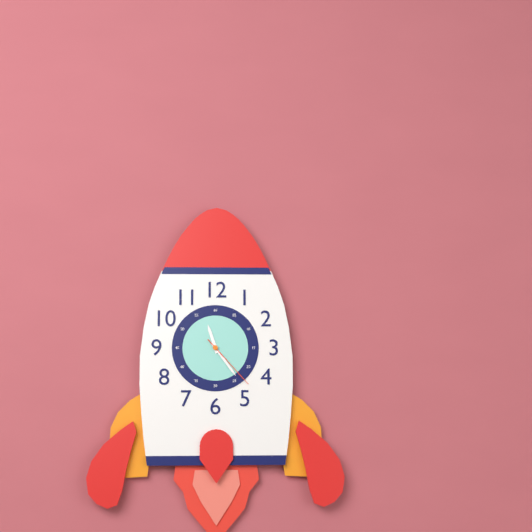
{"hour": 11, "minute": 24, "second": 23}
